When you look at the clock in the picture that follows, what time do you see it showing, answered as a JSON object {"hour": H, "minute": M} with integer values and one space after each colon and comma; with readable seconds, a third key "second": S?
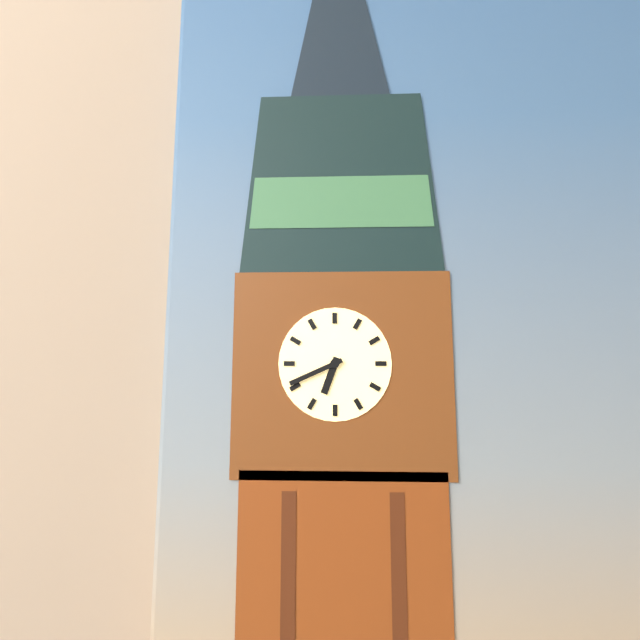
{"hour": 6, "minute": 41}
